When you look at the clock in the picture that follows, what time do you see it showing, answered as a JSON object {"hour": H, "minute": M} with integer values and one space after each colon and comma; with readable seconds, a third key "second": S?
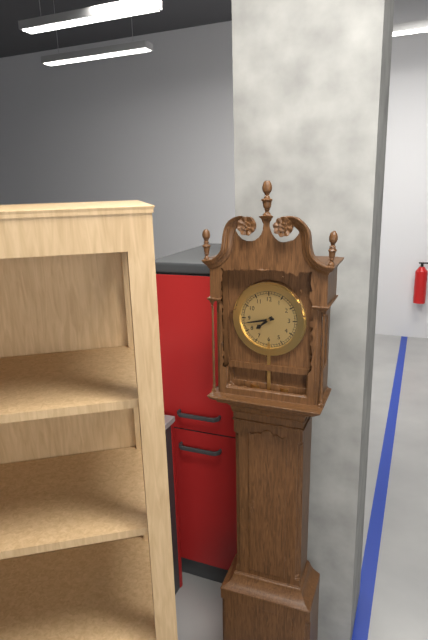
{"hour": 7, "minute": 43}
